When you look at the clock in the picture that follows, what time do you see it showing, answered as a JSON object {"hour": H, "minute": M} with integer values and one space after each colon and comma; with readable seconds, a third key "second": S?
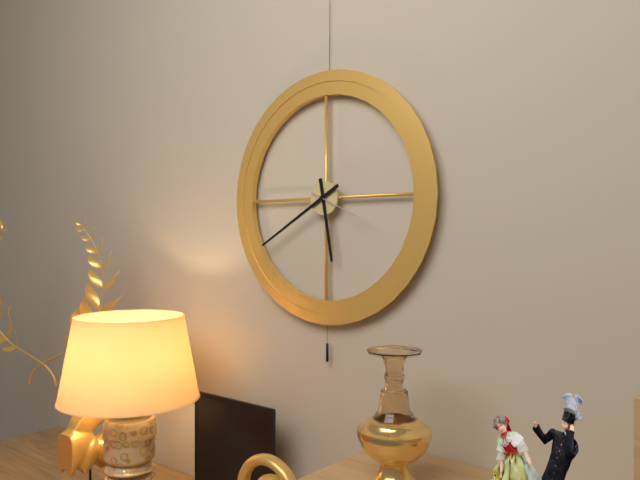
{"hour": 5, "minute": 40, "second": 19}
